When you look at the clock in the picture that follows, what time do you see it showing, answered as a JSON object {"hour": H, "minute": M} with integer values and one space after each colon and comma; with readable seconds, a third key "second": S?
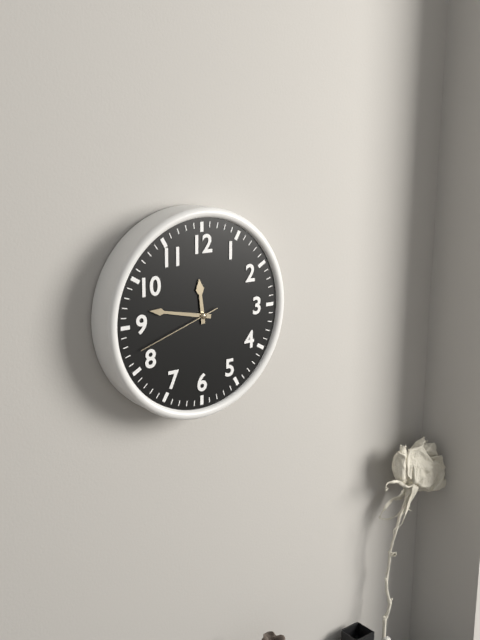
{"hour": 11, "minute": 47, "second": 42}
